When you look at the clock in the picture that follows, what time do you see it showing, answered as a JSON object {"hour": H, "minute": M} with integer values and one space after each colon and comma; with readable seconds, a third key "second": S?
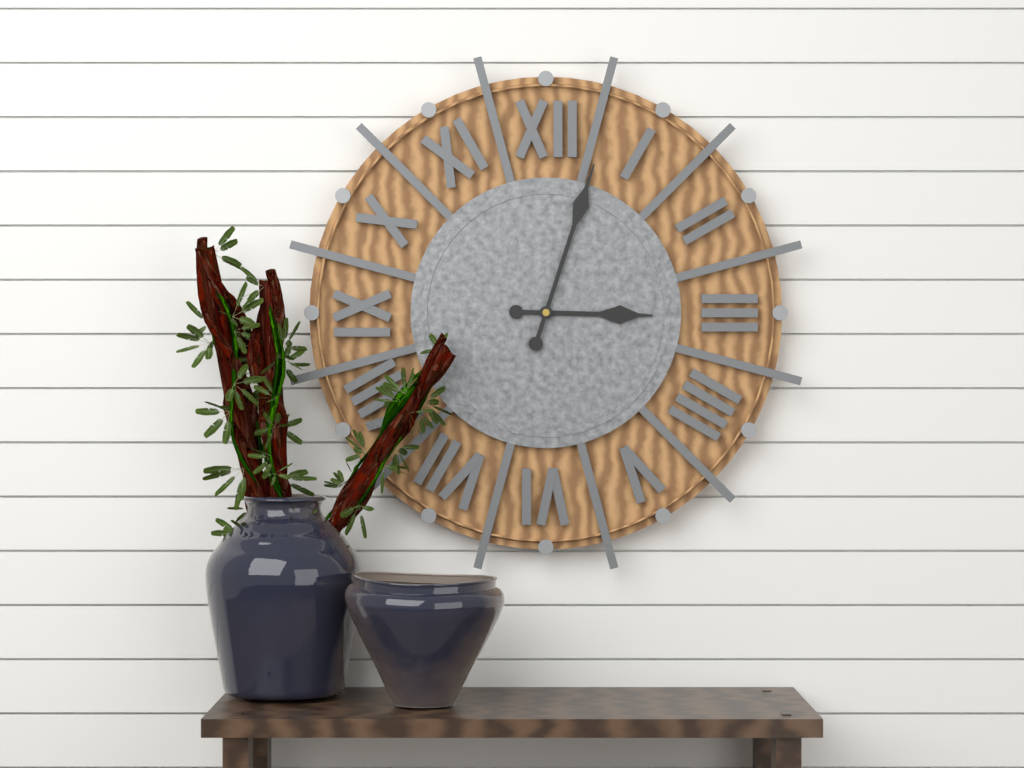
{"hour": 3, "minute": 3}
